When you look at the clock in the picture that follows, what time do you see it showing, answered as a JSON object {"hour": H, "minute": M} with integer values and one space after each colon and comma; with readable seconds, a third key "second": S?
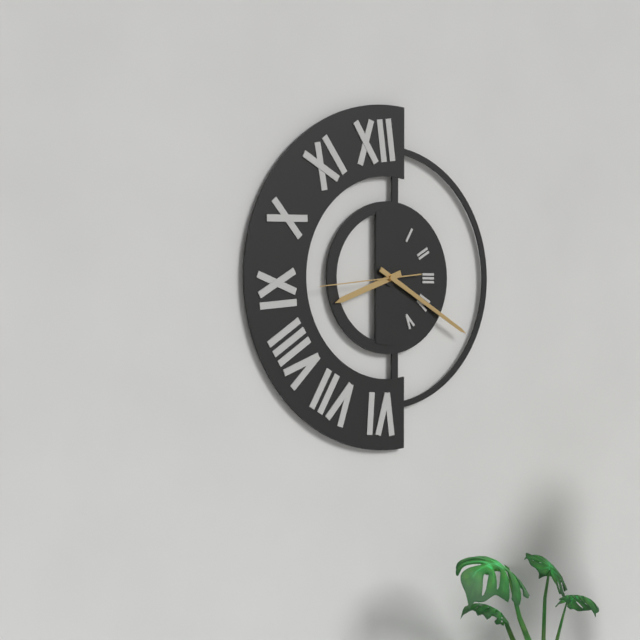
{"hour": 8, "minute": 20, "second": 44}
